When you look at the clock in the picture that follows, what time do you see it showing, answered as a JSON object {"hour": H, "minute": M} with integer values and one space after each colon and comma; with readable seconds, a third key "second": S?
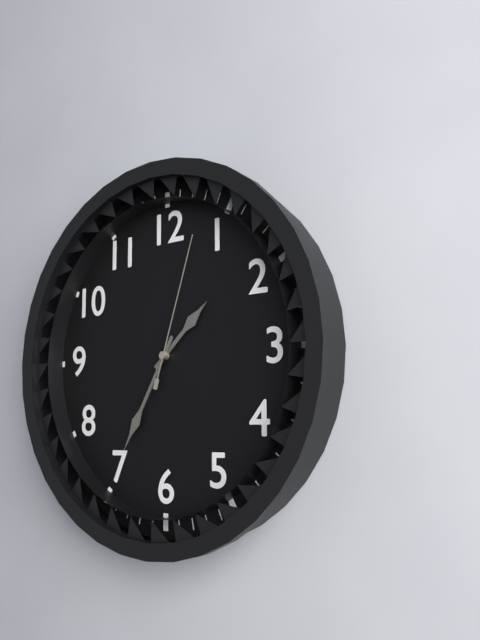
{"hour": 1, "minute": 35, "second": 3}
